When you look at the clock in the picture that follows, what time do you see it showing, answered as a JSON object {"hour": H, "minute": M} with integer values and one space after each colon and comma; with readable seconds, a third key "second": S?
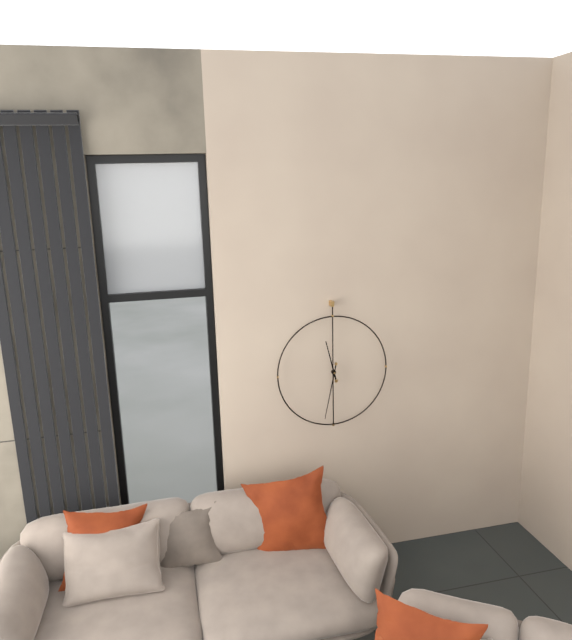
{"hour": 11, "minute": 32}
